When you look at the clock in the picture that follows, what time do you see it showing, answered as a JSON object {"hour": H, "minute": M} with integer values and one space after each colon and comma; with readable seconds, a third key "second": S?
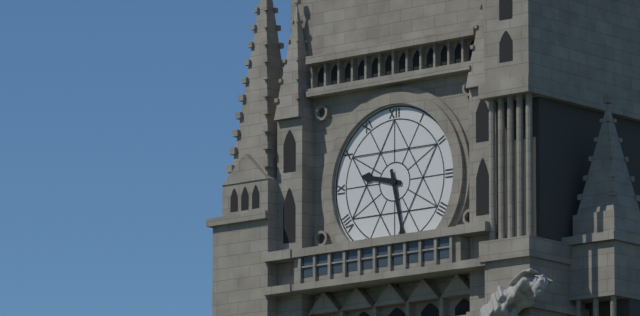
{"hour": 9, "minute": 28}
